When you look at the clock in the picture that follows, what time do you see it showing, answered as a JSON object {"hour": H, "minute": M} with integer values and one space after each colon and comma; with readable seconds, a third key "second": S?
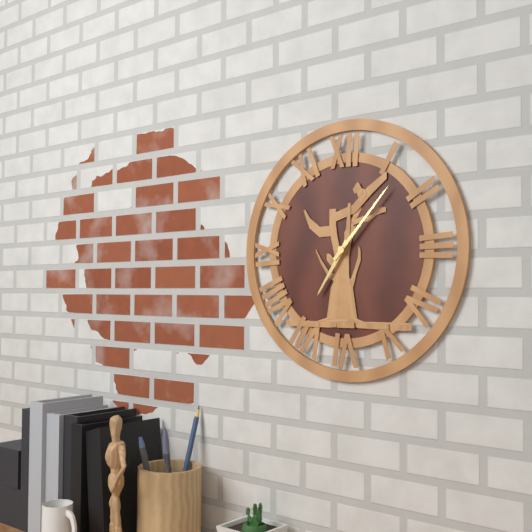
{"hour": 7, "minute": 7}
